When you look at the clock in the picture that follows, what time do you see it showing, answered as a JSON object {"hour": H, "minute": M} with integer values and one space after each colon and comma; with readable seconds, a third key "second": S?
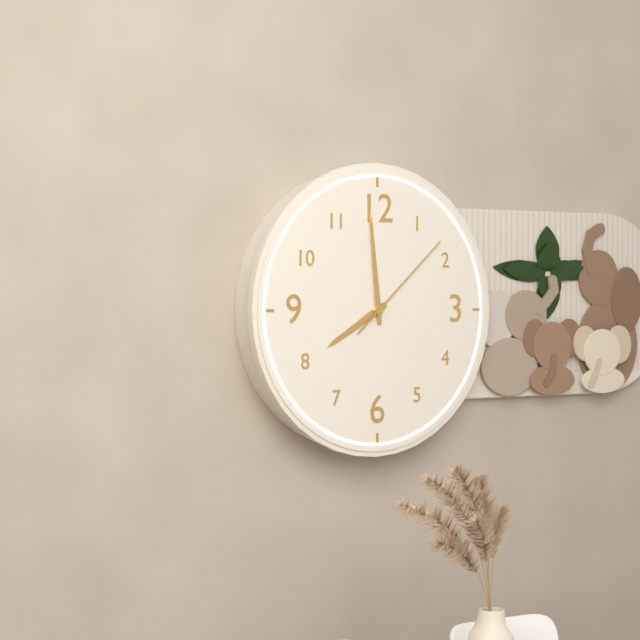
{"hour": 7, "minute": 59, "second": 8}
